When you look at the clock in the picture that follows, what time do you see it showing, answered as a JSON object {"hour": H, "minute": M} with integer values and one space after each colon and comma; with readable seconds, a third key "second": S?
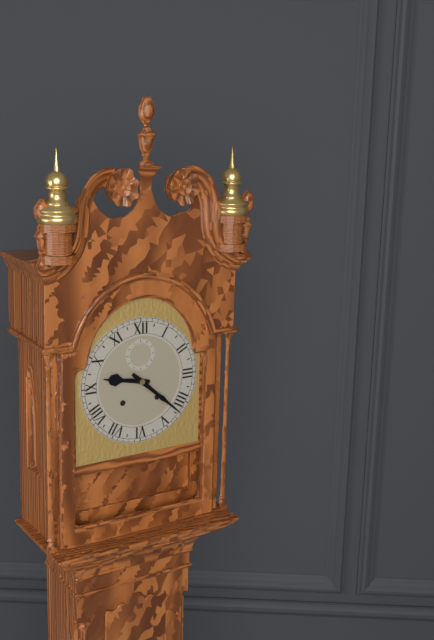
{"hour": 9, "minute": 22}
